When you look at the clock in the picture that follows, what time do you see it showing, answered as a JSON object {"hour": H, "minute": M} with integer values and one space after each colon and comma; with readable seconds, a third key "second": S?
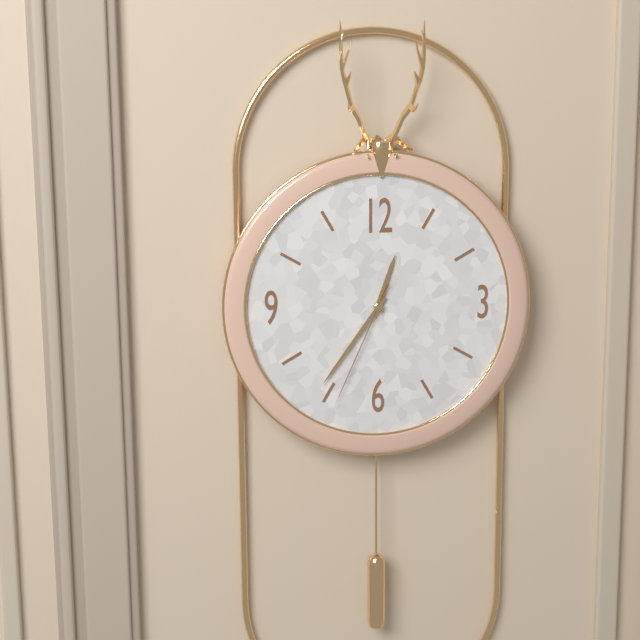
{"hour": 12, "minute": 36, "second": 34}
